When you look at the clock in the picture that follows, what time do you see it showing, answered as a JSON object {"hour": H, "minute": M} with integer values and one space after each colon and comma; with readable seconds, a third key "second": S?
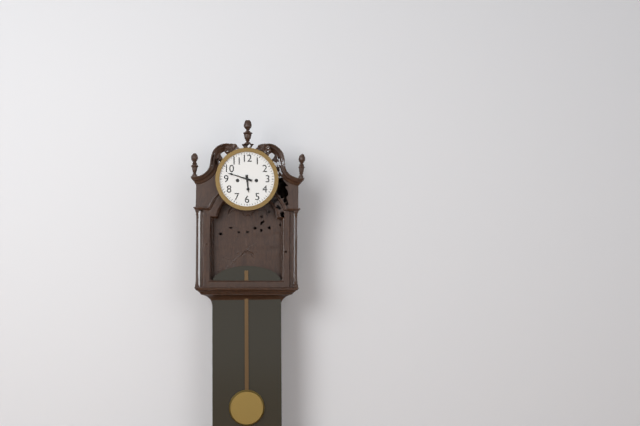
{"hour": 5, "minute": 48}
